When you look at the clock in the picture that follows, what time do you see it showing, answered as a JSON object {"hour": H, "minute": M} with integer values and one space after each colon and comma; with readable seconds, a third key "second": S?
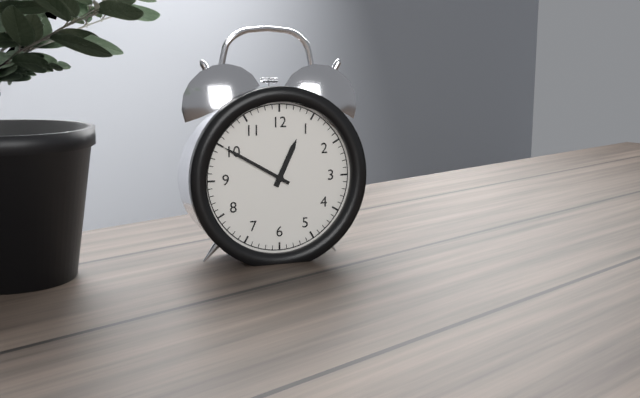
{"hour": 12, "minute": 50}
